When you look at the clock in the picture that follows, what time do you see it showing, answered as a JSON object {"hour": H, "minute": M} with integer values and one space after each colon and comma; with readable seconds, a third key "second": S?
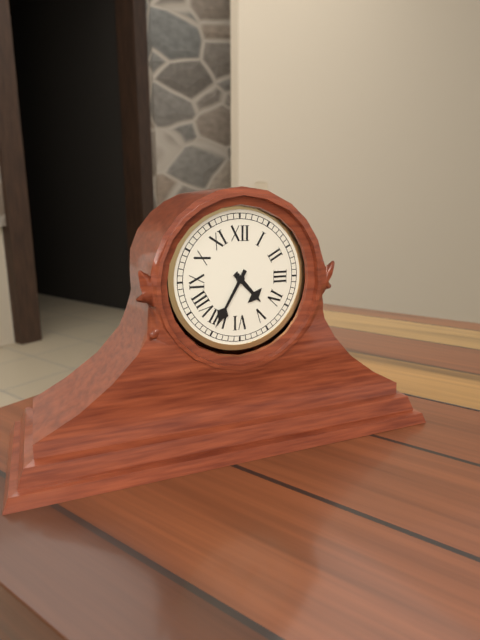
{"hour": 4, "minute": 35}
